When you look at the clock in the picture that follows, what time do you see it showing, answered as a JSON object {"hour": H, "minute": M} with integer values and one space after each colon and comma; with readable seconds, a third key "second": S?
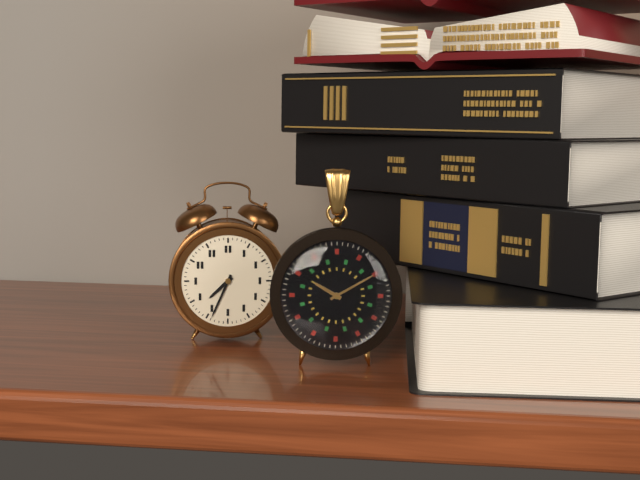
{"hour": 7, "minute": 34}
